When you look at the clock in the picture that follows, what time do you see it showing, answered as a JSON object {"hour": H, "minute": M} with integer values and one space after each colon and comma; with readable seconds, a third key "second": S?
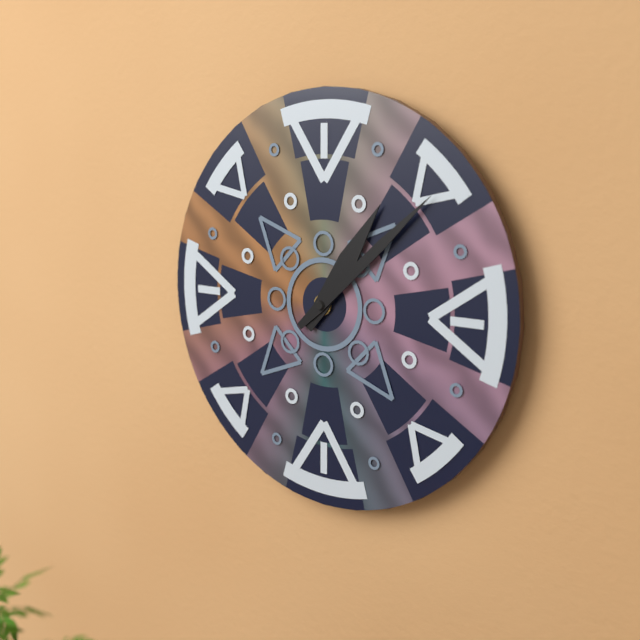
{"hour": 1, "minute": 8}
